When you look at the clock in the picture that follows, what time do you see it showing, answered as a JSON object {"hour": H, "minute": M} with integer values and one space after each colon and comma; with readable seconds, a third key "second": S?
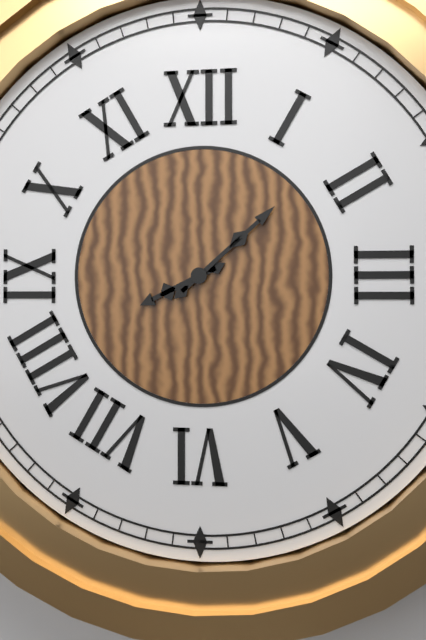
{"hour": 8, "minute": 8}
